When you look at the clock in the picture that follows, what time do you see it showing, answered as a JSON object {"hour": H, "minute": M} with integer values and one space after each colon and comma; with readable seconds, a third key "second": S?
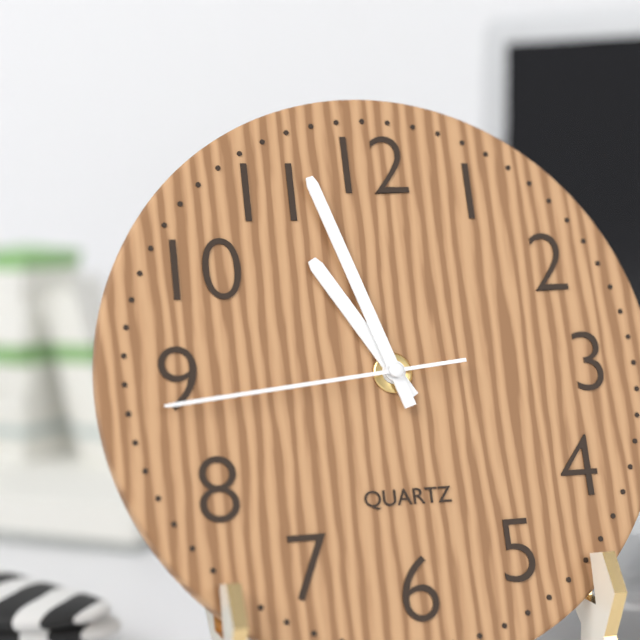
{"hour": 10, "minute": 57, "second": 44}
